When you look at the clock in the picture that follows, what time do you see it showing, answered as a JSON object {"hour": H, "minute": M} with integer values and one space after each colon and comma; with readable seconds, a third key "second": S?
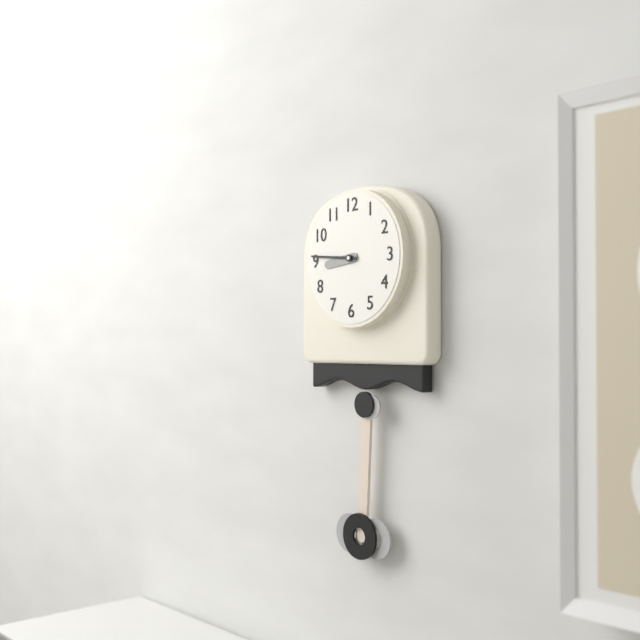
{"hour": 8, "minute": 46}
